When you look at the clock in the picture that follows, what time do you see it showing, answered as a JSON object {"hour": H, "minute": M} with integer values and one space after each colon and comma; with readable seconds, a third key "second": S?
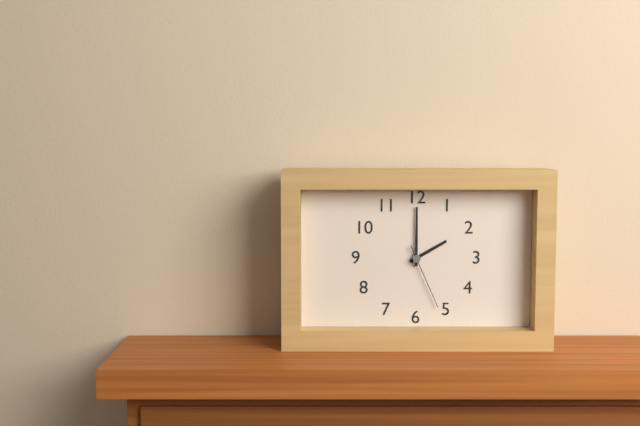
{"hour": 2, "minute": 0, "second": 26}
